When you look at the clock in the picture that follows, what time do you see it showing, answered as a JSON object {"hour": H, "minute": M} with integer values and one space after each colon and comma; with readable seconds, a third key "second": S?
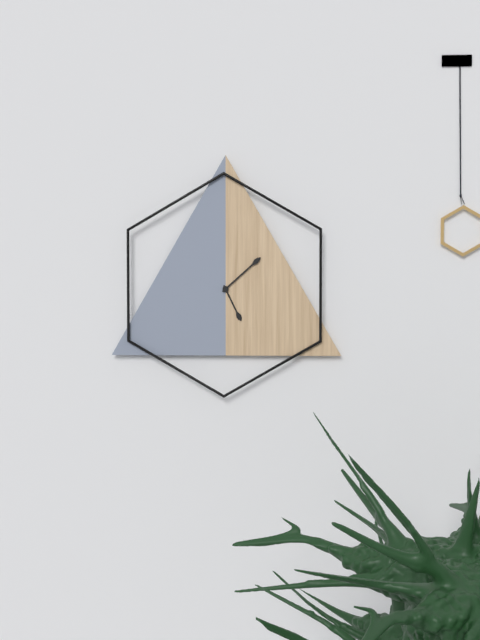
{"hour": 5, "minute": 8}
